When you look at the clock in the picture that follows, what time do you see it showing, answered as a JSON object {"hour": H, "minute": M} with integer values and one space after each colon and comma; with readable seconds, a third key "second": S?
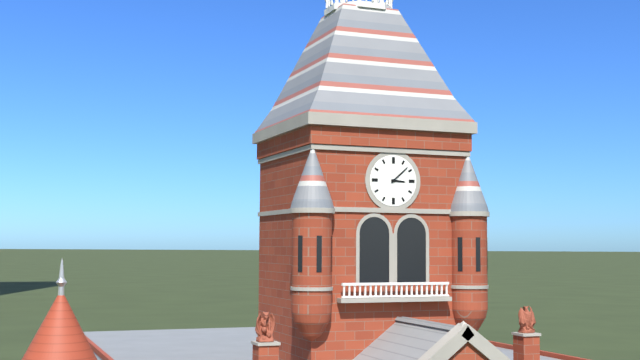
{"hour": 3, "minute": 8}
